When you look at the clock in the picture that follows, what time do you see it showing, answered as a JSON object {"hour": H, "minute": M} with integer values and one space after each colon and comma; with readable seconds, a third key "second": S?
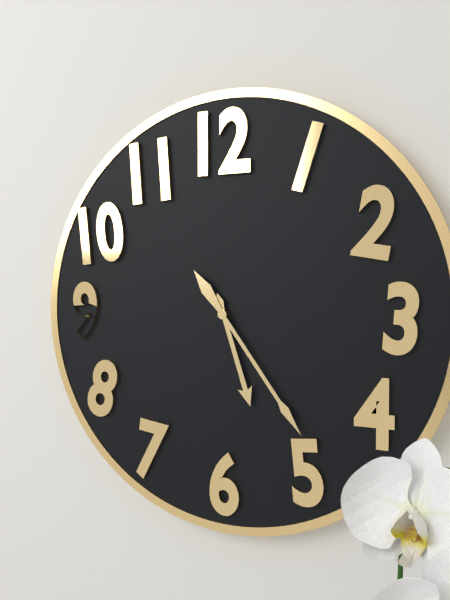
{"hour": 5, "minute": 24}
